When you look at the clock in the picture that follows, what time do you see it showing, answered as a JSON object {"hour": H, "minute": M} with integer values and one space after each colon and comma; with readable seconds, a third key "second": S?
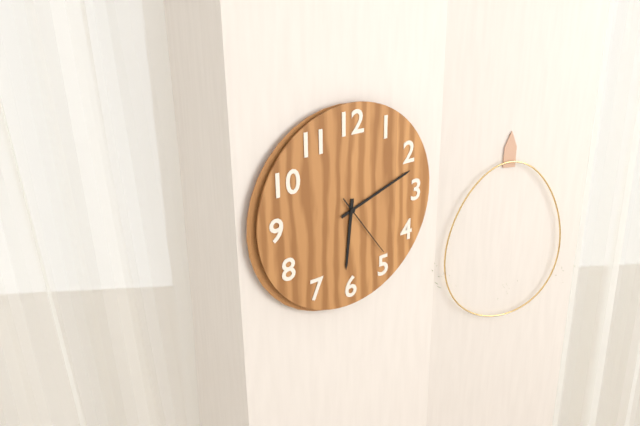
{"hour": 6, "minute": 12, "second": 24}
